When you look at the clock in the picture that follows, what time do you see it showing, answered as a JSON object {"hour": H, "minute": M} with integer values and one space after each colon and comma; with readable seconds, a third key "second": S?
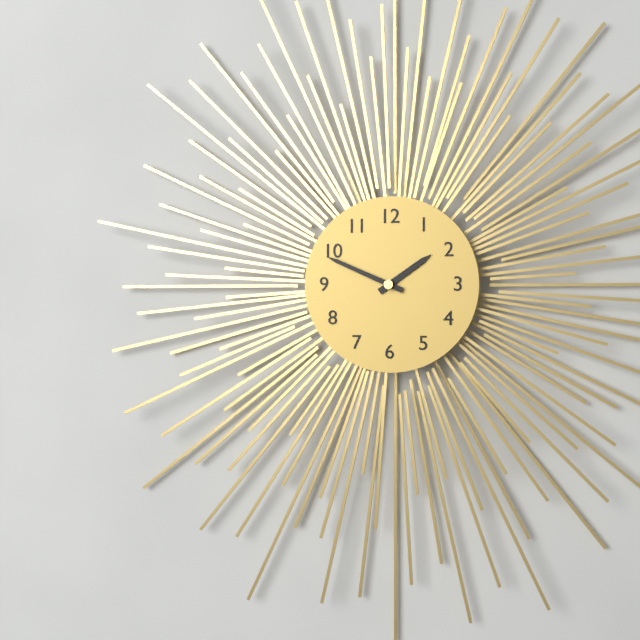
{"hour": 1, "minute": 49}
